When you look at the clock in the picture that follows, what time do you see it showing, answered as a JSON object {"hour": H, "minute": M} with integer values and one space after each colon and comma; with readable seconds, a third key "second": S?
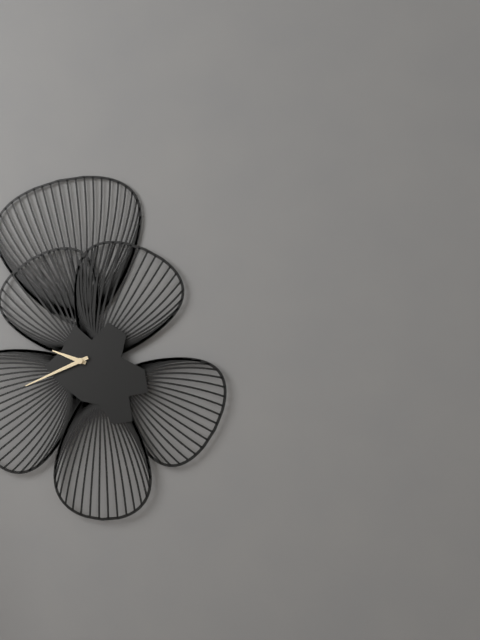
{"hour": 9, "minute": 41}
